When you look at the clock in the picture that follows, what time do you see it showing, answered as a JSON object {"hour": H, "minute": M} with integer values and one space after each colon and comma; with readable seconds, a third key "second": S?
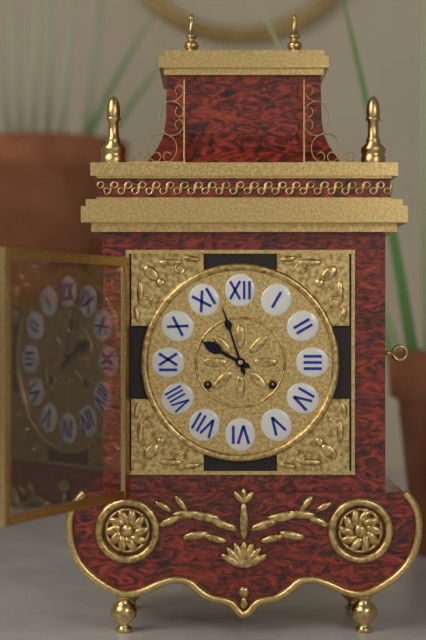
{"hour": 9, "minute": 57}
